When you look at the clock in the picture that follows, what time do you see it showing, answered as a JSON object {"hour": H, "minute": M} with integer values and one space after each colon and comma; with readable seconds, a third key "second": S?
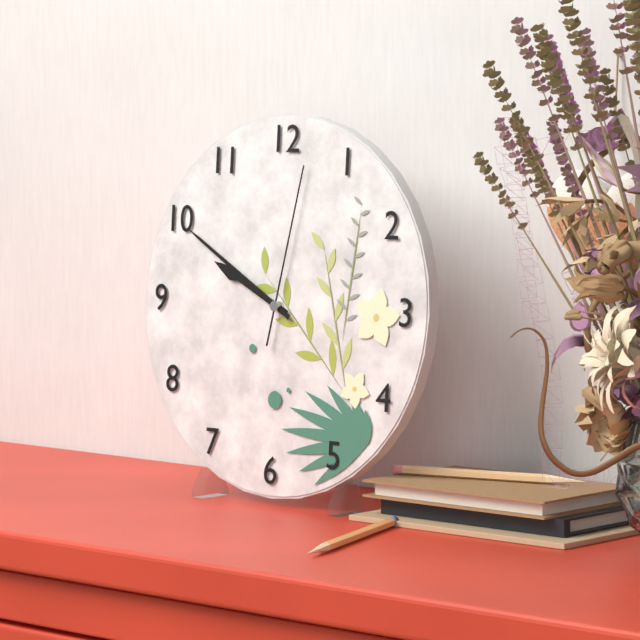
{"hour": 9, "minute": 50, "second": 2}
